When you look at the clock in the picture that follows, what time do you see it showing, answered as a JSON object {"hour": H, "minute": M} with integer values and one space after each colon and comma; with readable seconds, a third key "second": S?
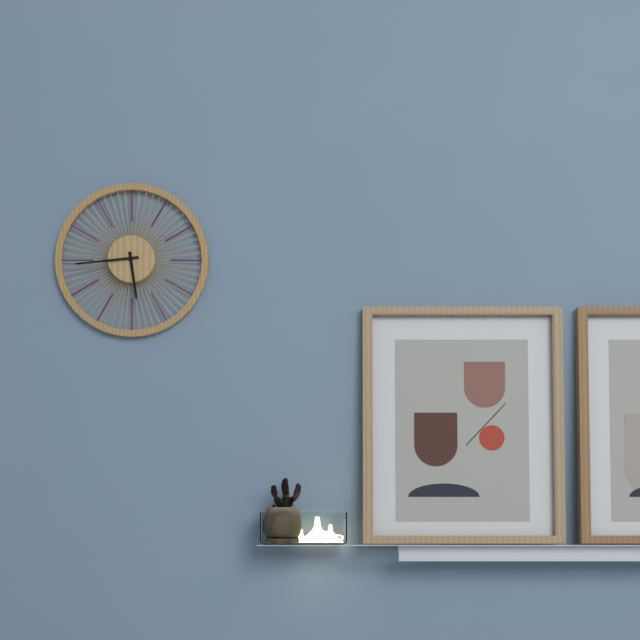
{"hour": 5, "minute": 44}
